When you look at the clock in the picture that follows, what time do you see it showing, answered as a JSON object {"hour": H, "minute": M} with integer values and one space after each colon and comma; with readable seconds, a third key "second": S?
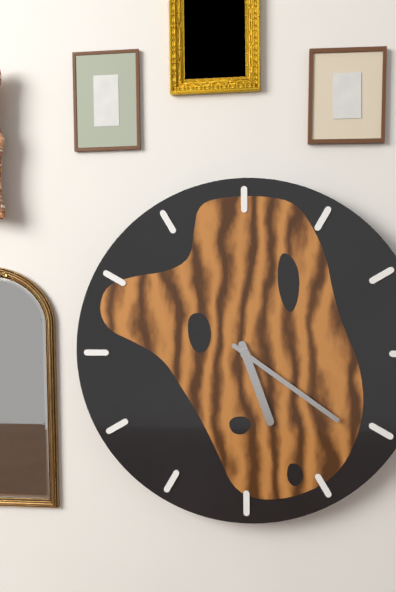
{"hour": 5, "minute": 21}
